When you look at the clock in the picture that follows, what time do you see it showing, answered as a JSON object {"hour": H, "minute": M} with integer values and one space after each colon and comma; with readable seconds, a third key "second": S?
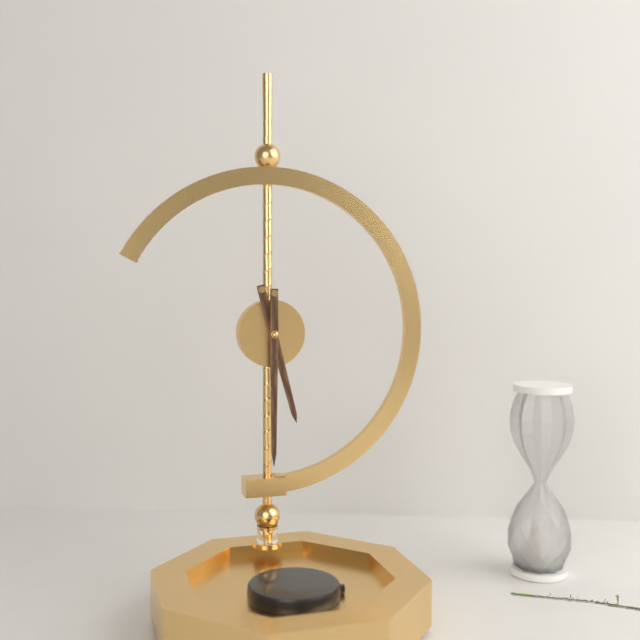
{"hour": 5, "minute": 30}
